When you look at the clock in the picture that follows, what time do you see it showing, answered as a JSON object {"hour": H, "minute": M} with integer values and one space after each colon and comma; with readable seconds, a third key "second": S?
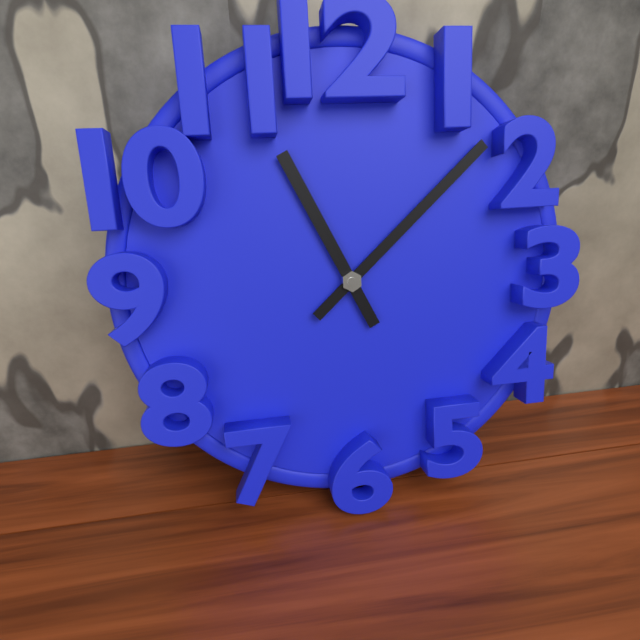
{"hour": 11, "minute": 8}
